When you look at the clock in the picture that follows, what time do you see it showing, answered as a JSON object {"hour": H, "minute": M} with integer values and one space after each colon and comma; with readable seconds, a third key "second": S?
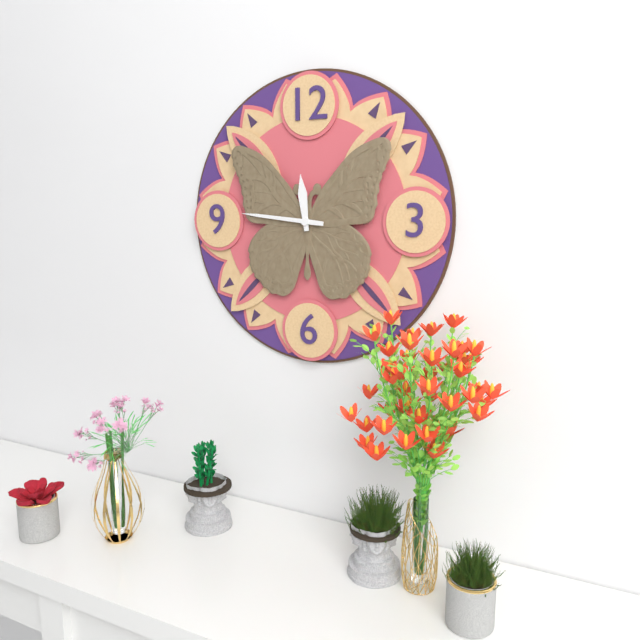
{"hour": 11, "minute": 46}
